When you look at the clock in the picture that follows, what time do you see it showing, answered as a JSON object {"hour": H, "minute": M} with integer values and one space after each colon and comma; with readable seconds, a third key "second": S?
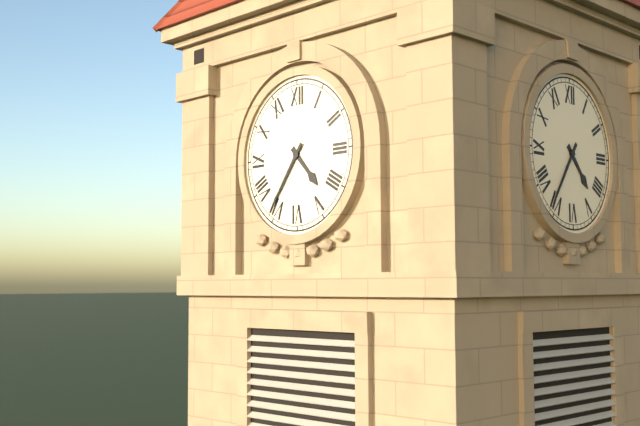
{"hour": 4, "minute": 36}
